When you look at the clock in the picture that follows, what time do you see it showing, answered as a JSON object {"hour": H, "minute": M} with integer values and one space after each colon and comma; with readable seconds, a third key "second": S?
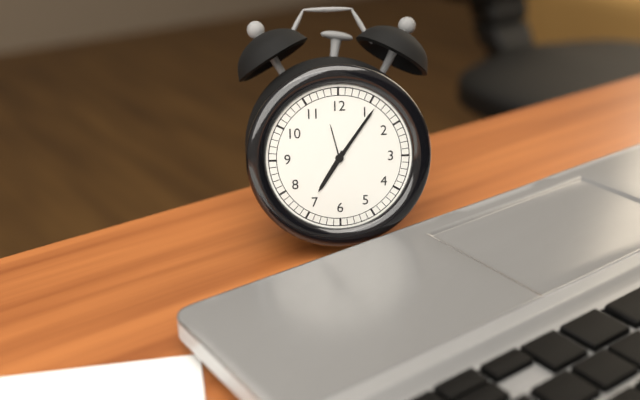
{"hour": 7, "minute": 6}
